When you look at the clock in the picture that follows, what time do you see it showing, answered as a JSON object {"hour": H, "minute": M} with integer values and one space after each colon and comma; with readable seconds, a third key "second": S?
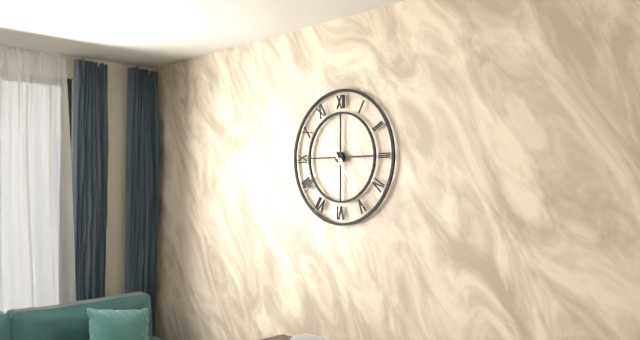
{"hour": 10, "minute": 24}
